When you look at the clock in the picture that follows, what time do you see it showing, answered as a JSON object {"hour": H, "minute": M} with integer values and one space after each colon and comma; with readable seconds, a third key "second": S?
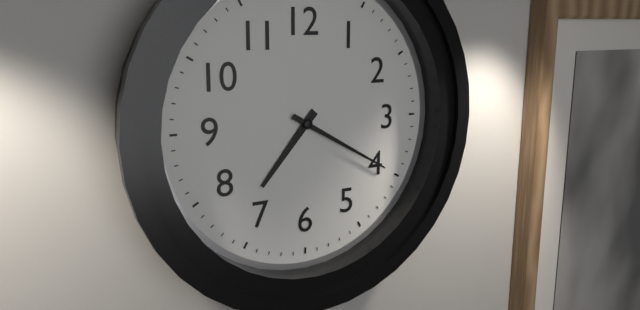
{"hour": 7, "minute": 20}
